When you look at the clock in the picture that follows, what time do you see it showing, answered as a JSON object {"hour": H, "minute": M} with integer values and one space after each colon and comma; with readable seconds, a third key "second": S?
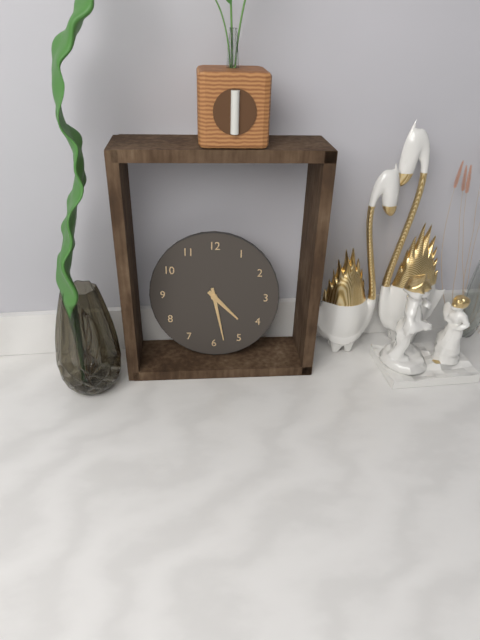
{"hour": 4, "minute": 28}
